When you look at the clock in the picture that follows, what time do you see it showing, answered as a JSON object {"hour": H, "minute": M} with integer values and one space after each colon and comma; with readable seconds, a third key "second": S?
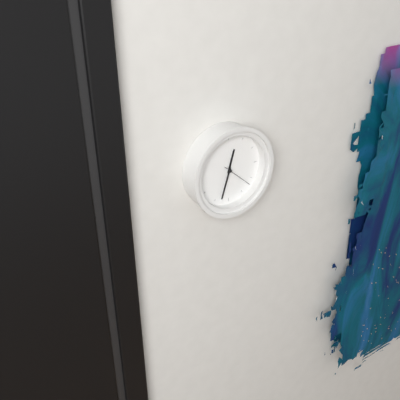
{"hour": 12, "minute": 33}
